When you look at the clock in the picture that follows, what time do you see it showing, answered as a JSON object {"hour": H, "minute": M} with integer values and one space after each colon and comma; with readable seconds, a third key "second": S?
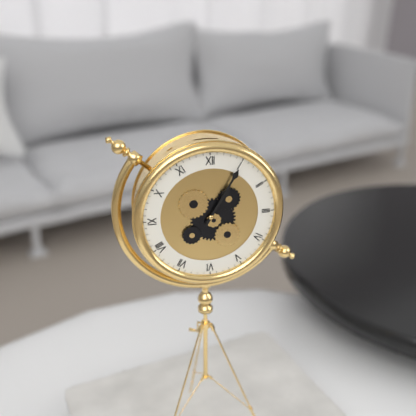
{"hour": 1, "minute": 5}
